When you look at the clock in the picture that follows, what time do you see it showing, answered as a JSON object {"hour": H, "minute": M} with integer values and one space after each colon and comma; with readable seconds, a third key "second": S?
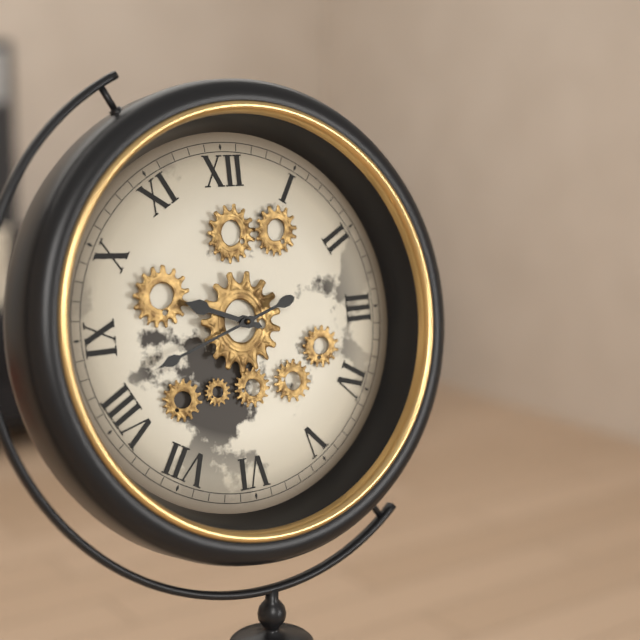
{"hour": 9, "minute": 42}
